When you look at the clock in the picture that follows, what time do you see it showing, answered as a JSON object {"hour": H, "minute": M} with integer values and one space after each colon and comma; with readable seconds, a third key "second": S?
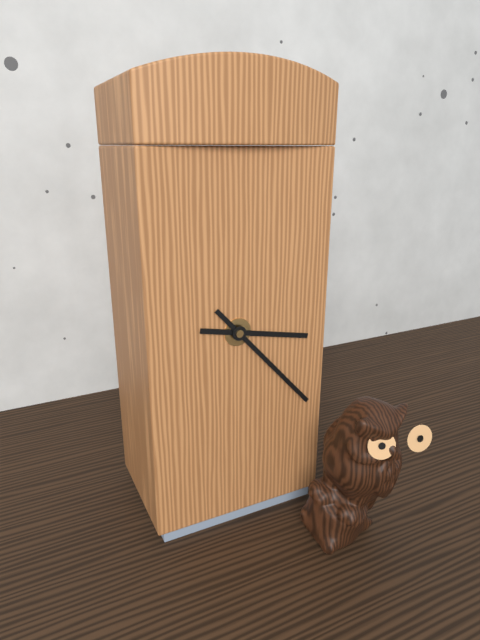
{"hour": 3, "minute": 23}
